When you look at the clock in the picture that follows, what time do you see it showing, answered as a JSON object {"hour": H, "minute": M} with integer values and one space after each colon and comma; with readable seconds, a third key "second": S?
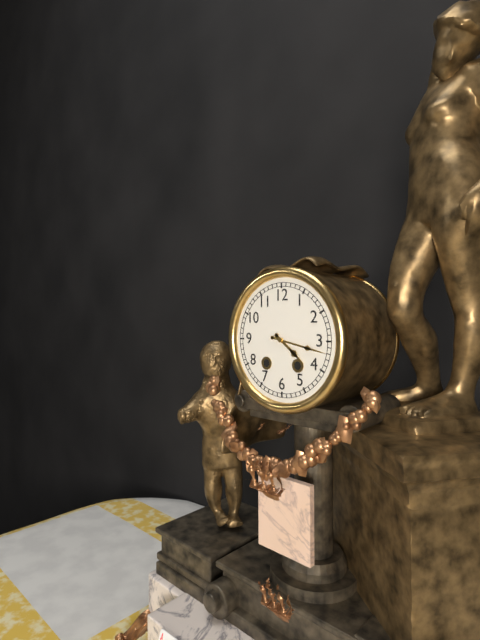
{"hour": 4, "minute": 17}
